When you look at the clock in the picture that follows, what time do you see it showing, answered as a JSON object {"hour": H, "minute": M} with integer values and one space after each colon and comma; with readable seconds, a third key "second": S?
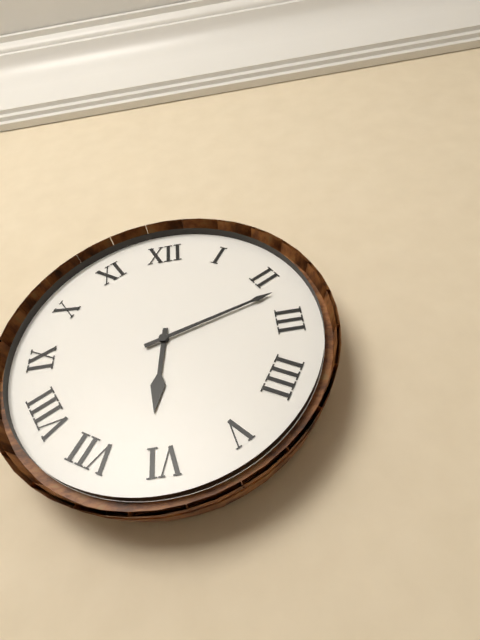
{"hour": 6, "minute": 12}
